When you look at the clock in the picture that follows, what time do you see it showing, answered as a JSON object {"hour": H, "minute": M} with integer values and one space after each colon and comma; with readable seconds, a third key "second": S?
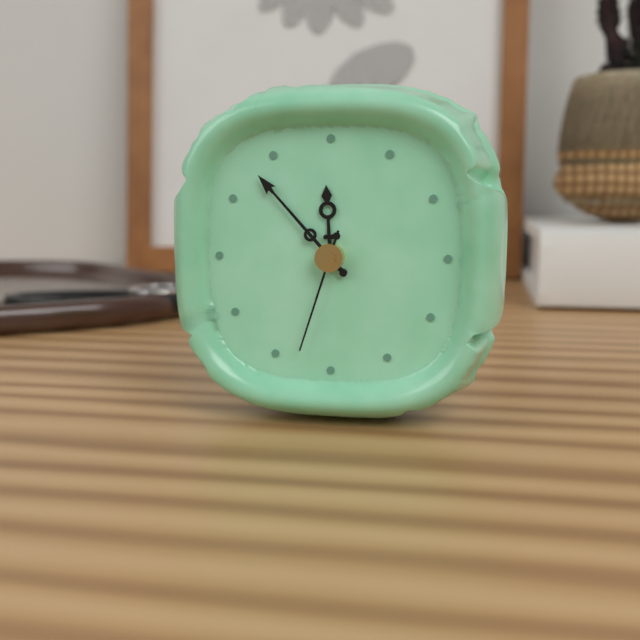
{"hour": 11, "minute": 53, "second": 33}
